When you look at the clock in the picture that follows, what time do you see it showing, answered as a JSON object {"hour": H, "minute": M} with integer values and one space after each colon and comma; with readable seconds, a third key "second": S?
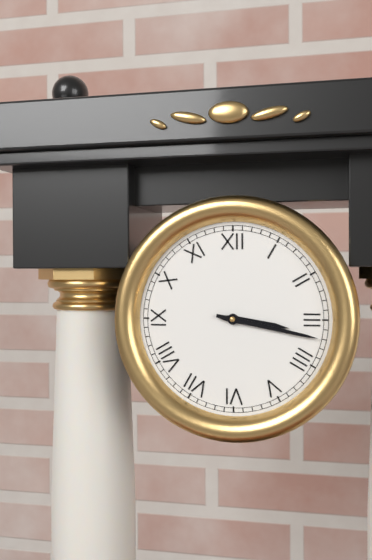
{"hour": 3, "minute": 17}
